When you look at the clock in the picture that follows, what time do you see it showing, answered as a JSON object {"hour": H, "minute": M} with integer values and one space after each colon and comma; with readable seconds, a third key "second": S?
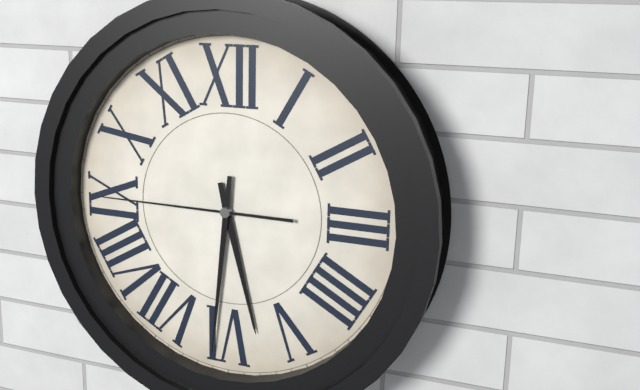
{"hour": 5, "minute": 31, "second": 45}
